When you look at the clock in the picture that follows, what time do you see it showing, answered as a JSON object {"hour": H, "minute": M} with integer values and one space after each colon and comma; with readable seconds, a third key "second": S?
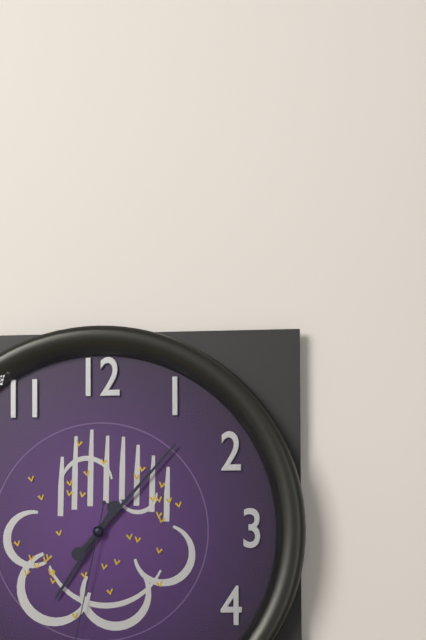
{"hour": 7, "minute": 7}
